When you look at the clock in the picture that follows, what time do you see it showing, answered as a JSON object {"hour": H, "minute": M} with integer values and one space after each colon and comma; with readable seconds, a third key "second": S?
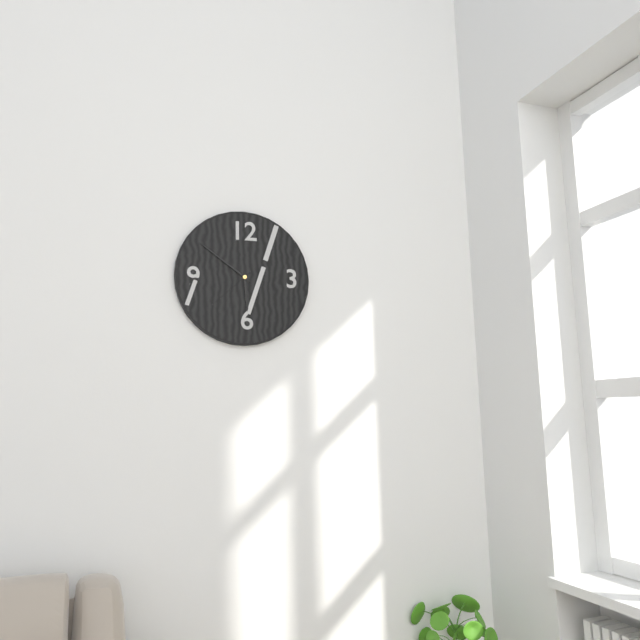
{"hour": 5, "minute": 51, "second": 38}
